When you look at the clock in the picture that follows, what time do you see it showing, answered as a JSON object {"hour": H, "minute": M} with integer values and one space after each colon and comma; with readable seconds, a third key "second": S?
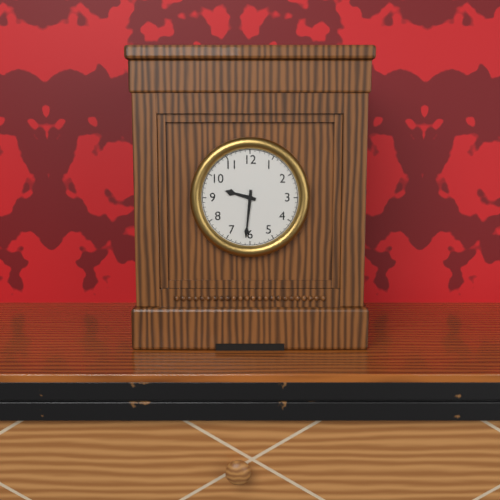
{"hour": 9, "minute": 31}
